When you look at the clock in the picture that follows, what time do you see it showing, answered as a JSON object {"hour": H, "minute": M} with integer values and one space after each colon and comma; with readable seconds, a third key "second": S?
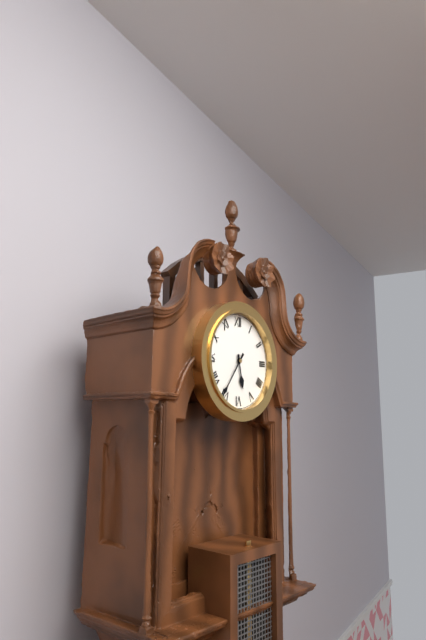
{"hour": 5, "minute": 36}
